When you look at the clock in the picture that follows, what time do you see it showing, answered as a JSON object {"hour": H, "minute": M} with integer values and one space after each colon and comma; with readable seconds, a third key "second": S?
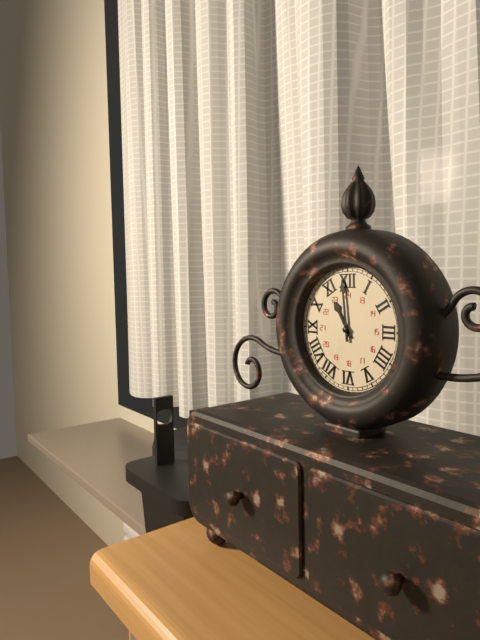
{"hour": 10, "minute": 59}
